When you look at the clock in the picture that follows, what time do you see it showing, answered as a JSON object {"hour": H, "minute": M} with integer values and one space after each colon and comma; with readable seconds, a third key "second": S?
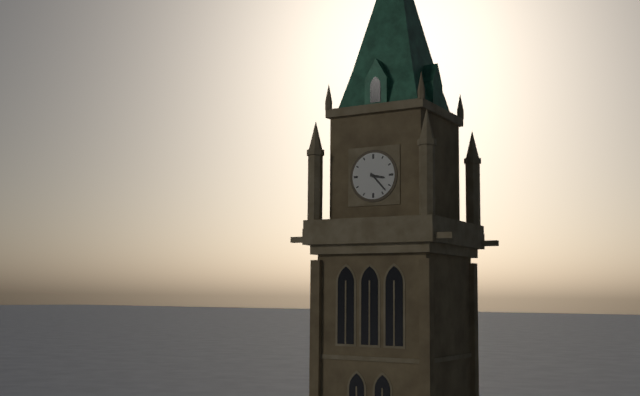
{"hour": 3, "minute": 23}
